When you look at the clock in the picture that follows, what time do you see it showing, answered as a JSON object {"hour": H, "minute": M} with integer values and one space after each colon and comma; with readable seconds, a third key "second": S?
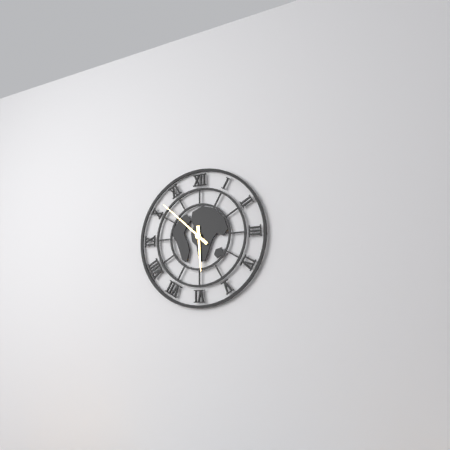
{"hour": 5, "minute": 52}
